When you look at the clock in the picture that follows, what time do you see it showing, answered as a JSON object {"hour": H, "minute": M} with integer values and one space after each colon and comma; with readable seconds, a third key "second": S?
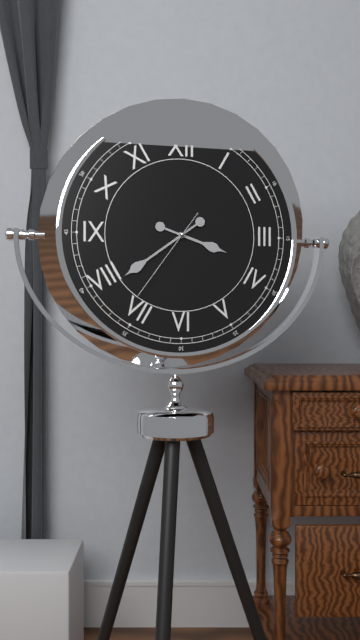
{"hour": 3, "minute": 39, "second": 36}
